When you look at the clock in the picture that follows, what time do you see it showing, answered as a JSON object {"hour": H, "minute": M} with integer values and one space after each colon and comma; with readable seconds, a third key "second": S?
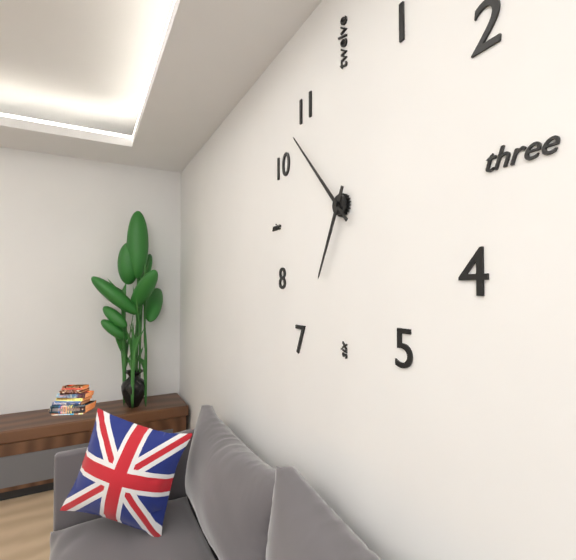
{"hour": 6, "minute": 53}
